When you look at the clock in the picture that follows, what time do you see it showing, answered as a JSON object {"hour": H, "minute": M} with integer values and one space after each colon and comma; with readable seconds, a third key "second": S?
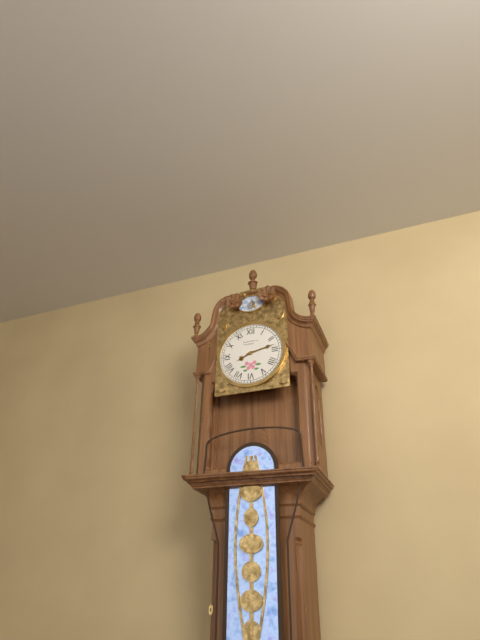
{"hour": 8, "minute": 13}
